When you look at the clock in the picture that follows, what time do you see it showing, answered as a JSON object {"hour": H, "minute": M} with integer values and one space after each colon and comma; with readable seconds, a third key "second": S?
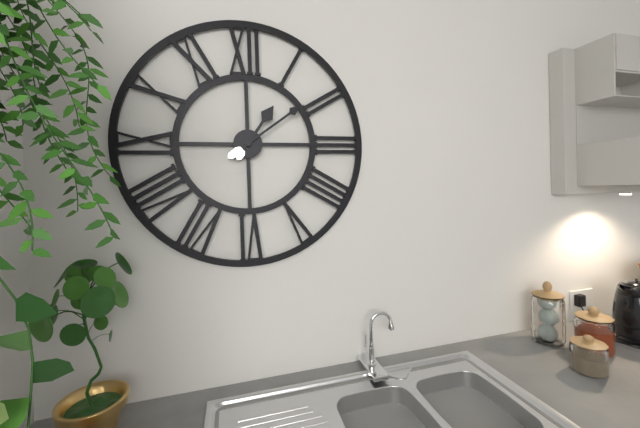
{"hour": 1, "minute": 9}
